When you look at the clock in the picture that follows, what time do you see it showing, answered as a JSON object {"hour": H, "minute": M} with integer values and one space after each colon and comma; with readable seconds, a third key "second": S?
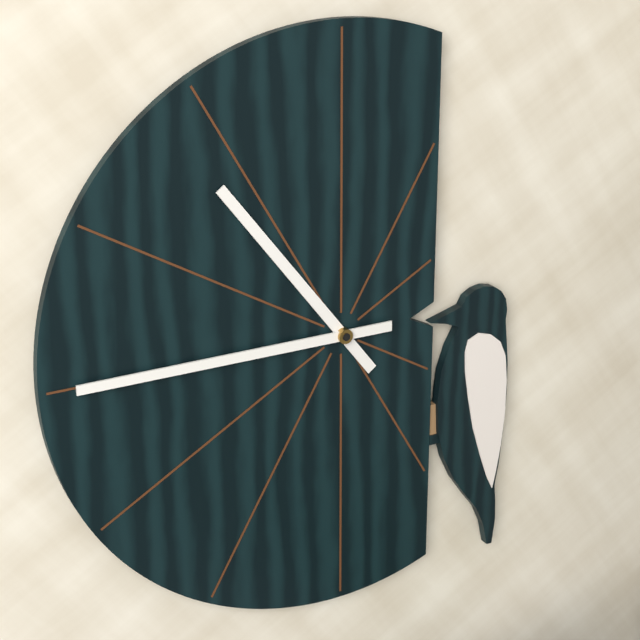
{"hour": 10, "minute": 45}
